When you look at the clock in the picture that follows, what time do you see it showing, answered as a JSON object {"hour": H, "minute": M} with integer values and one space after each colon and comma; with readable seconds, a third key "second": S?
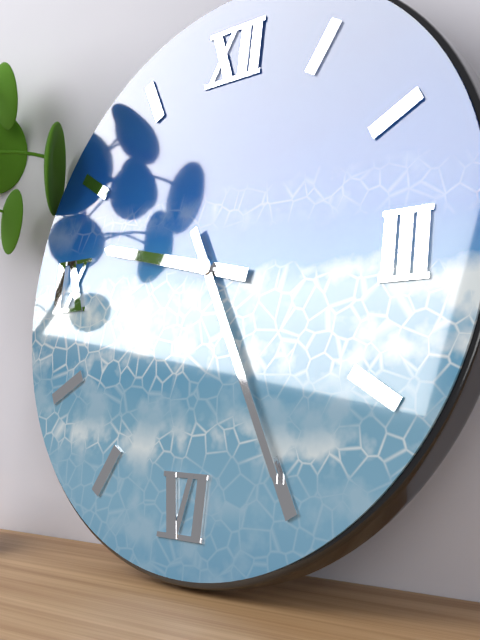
{"hour": 9, "minute": 25}
